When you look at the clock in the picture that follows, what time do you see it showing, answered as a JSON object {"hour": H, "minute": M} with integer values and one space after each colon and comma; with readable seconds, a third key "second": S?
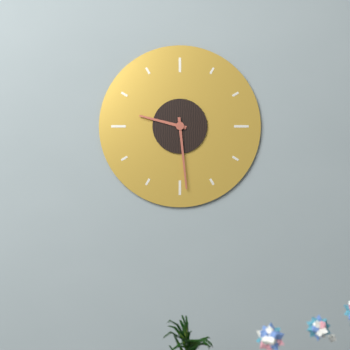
{"hour": 9, "minute": 29}
